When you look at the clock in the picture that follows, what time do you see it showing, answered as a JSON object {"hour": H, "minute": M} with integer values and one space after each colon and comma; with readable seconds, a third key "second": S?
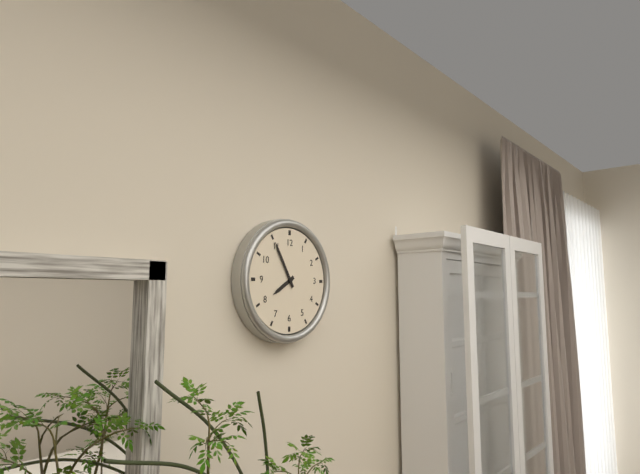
{"hour": 7, "minute": 55}
